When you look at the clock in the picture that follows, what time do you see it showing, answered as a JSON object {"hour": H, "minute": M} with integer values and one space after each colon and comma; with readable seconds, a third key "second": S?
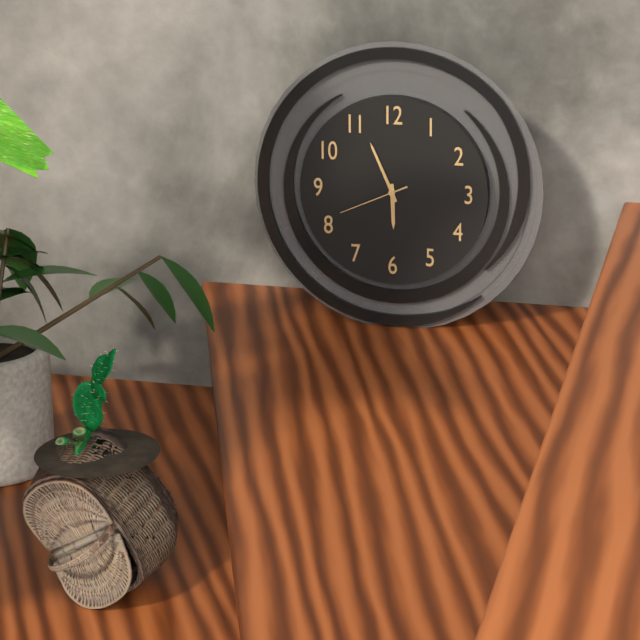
{"hour": 5, "minute": 56, "second": 41}
